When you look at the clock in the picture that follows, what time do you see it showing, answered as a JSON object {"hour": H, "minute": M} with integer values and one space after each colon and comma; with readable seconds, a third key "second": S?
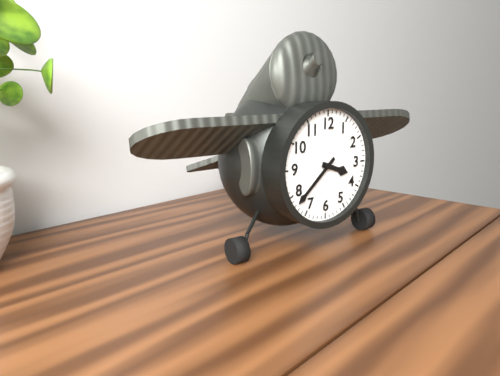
{"hour": 3, "minute": 38}
